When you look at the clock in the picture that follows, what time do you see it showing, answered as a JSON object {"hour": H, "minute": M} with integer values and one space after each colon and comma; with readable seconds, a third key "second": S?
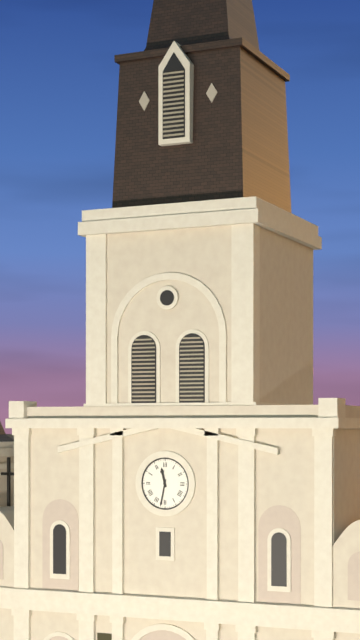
{"hour": 11, "minute": 32}
